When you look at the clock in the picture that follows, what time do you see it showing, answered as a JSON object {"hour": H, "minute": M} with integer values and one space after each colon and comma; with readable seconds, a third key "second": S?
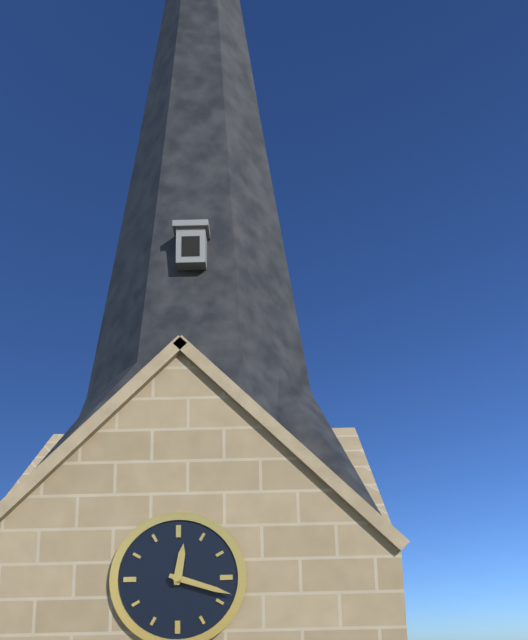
{"hour": 12, "minute": 18}
